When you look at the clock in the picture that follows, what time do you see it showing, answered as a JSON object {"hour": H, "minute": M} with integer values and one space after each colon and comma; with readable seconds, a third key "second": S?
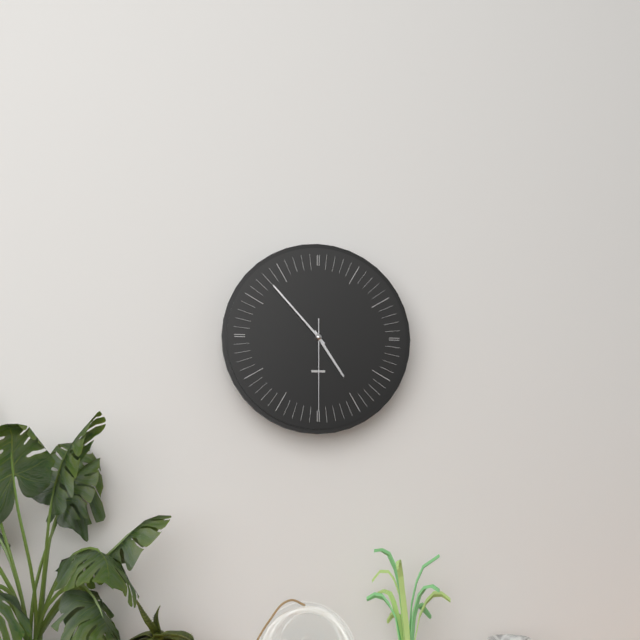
{"hour": 4, "minute": 53, "second": 30}
